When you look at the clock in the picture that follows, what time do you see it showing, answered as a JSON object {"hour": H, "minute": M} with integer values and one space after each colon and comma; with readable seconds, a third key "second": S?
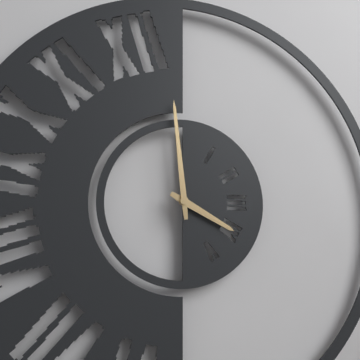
{"hour": 3, "minute": 59}
